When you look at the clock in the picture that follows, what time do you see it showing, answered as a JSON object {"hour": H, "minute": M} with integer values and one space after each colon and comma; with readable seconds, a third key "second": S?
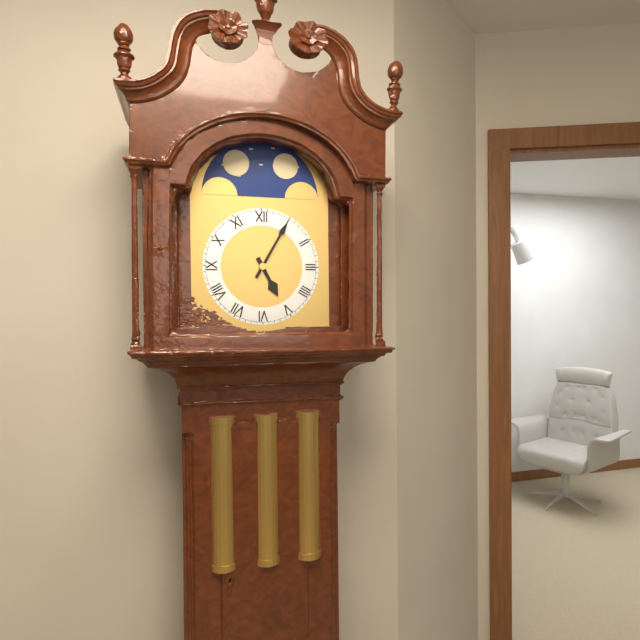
{"hour": 5, "minute": 5}
